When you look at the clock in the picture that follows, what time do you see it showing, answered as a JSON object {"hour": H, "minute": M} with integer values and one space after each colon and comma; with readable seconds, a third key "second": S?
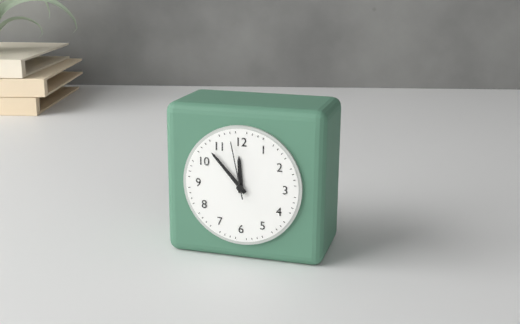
{"hour": 11, "minute": 53, "second": 58}
